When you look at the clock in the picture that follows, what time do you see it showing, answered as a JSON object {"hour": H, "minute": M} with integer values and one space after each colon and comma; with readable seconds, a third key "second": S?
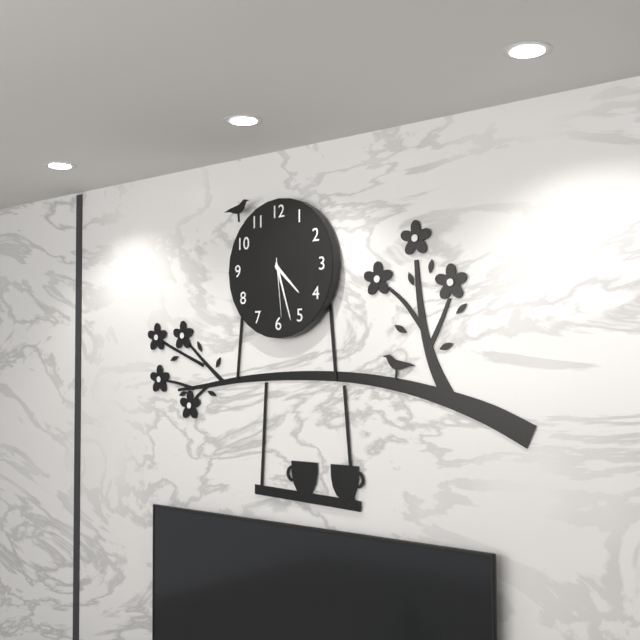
{"hour": 4, "minute": 27, "second": 29}
